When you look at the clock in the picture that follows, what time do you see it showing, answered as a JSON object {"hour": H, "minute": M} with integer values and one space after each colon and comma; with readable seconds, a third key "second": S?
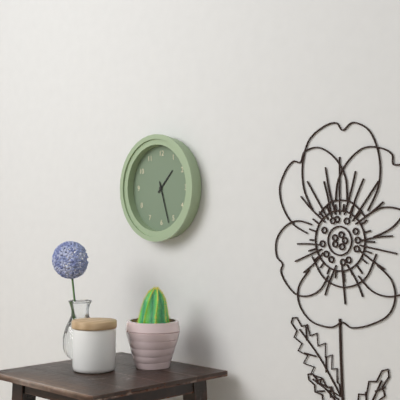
{"hour": 1, "minute": 27}
